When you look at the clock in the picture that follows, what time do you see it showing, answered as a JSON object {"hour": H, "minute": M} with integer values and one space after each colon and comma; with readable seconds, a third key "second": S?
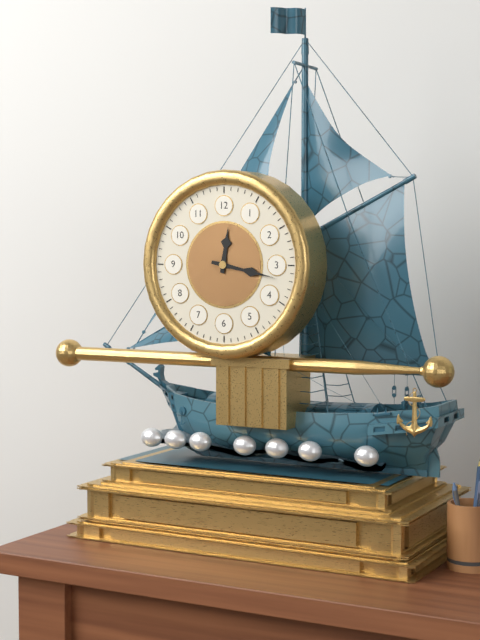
{"hour": 12, "minute": 17}
